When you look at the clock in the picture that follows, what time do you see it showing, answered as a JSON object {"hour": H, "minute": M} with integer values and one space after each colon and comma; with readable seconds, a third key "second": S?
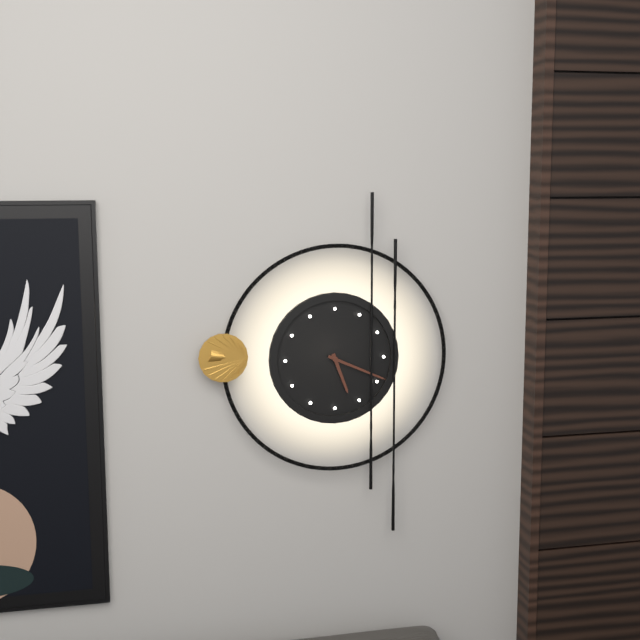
{"hour": 5, "minute": 19}
